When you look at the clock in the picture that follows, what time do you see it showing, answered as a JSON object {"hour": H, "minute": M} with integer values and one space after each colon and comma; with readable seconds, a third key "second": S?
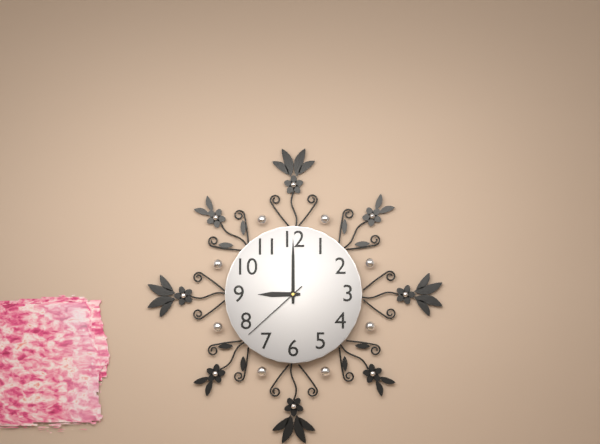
{"hour": 9, "minute": 0, "second": 38}
